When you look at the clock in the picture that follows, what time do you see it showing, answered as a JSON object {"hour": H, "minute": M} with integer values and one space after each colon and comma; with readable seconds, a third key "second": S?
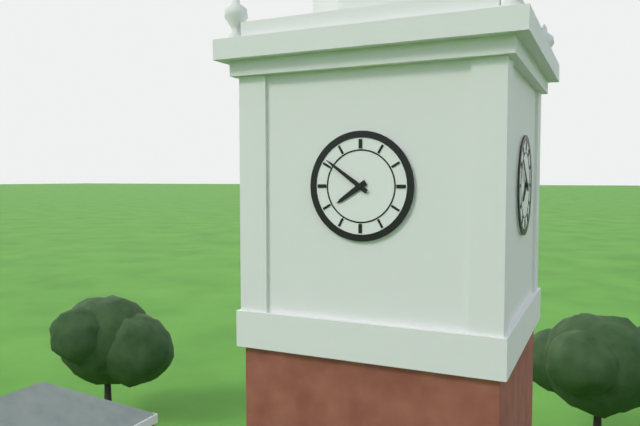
{"hour": 7, "minute": 51}
